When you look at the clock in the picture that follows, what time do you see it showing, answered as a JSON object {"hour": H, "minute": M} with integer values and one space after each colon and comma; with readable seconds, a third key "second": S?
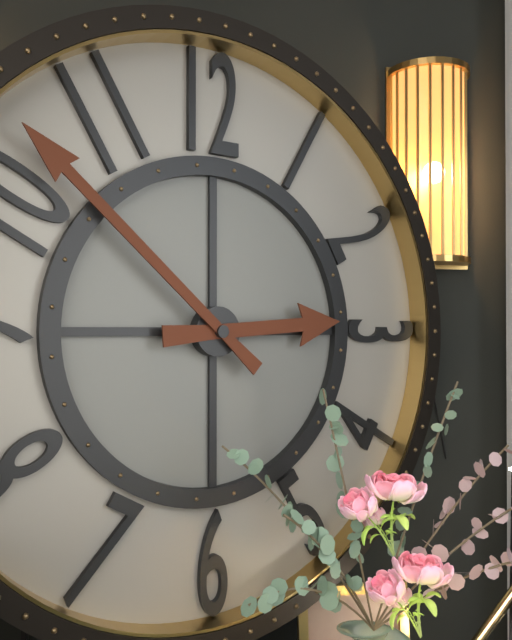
{"hour": 2, "minute": 52}
